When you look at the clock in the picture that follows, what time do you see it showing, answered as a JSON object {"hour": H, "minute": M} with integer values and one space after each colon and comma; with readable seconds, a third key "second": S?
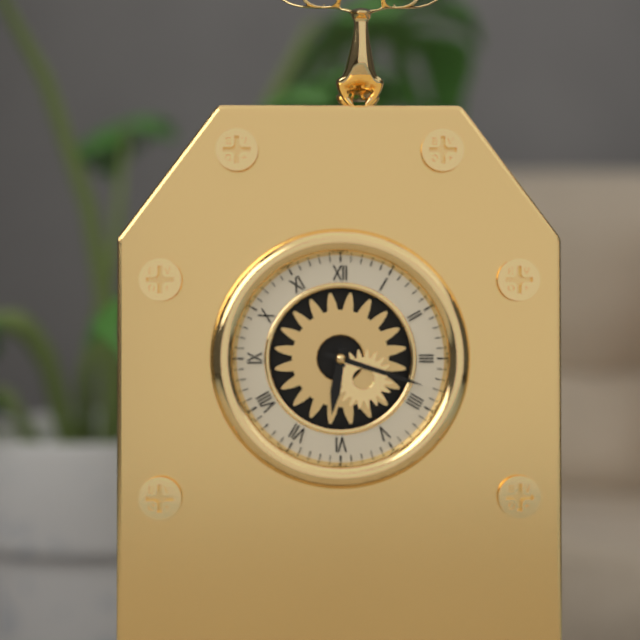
{"hour": 6, "minute": 18}
